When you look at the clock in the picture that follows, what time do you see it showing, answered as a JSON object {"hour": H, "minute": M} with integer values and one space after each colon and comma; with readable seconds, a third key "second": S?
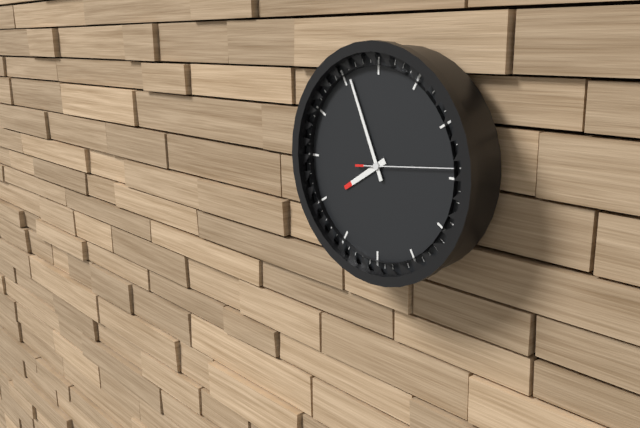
{"hour": 7, "minute": 56, "second": 14}
